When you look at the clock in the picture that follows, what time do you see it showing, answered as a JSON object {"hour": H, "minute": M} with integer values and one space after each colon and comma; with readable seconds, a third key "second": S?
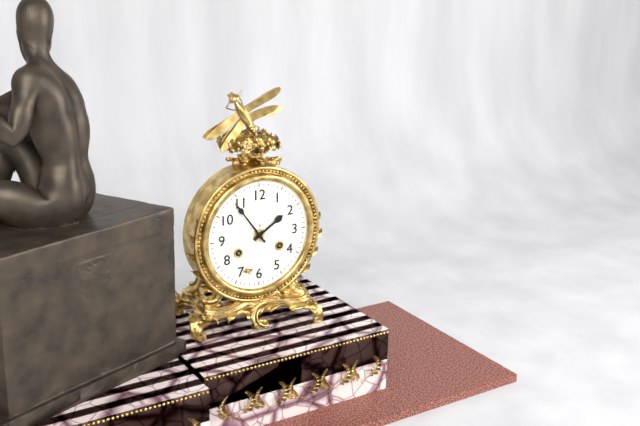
{"hour": 1, "minute": 54}
